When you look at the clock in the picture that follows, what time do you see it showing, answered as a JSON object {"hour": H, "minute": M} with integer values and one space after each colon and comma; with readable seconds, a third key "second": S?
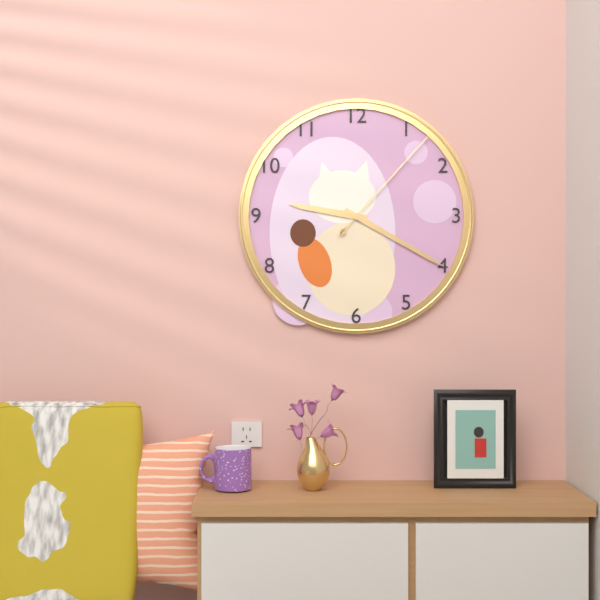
{"hour": 9, "minute": 20, "second": 7}
